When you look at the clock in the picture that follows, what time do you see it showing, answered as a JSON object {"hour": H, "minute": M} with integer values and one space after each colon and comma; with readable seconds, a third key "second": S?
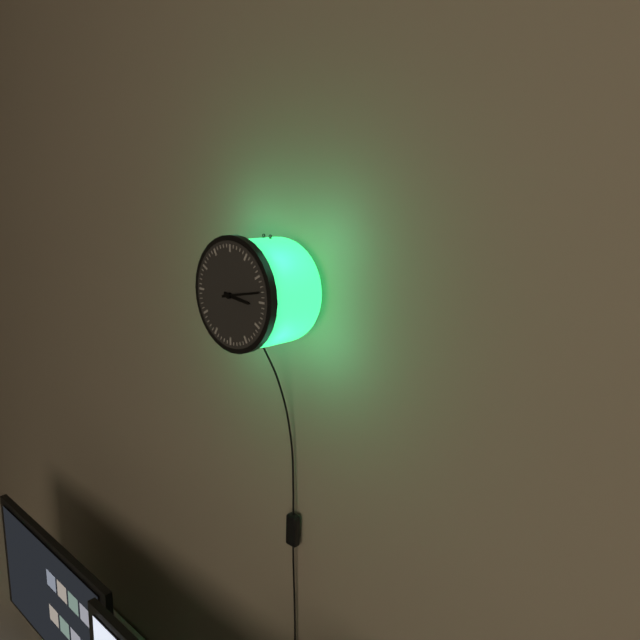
{"hour": 3, "minute": 13}
